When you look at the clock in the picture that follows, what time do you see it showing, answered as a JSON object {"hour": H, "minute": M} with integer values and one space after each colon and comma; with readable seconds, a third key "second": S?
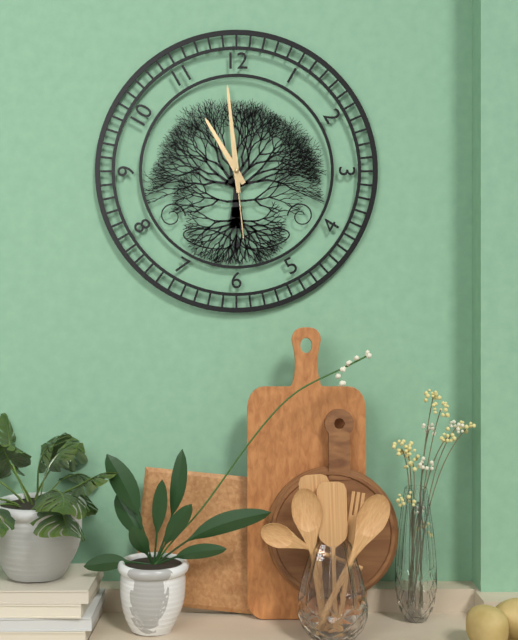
{"hour": 10, "minute": 59, "second": 29}
